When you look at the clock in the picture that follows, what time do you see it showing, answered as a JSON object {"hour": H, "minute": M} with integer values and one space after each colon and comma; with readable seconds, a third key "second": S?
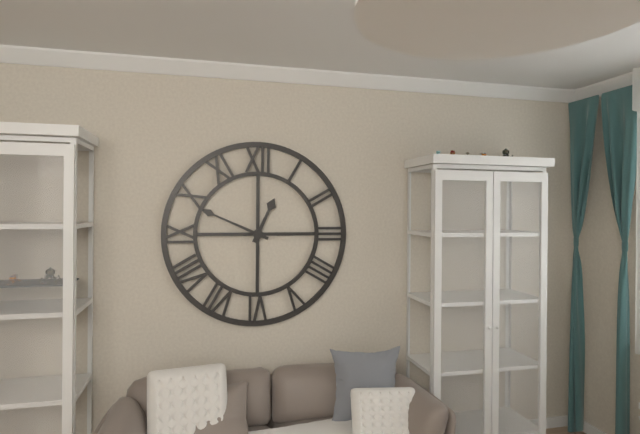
{"hour": 12, "minute": 49}
